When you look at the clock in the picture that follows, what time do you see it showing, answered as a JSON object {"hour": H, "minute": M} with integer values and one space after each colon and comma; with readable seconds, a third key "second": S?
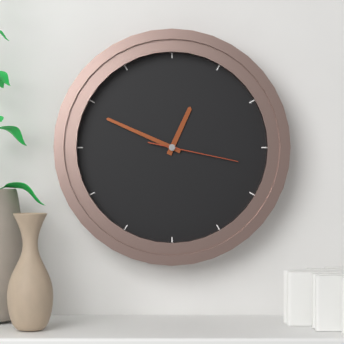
{"hour": 12, "minute": 49, "second": 17}
